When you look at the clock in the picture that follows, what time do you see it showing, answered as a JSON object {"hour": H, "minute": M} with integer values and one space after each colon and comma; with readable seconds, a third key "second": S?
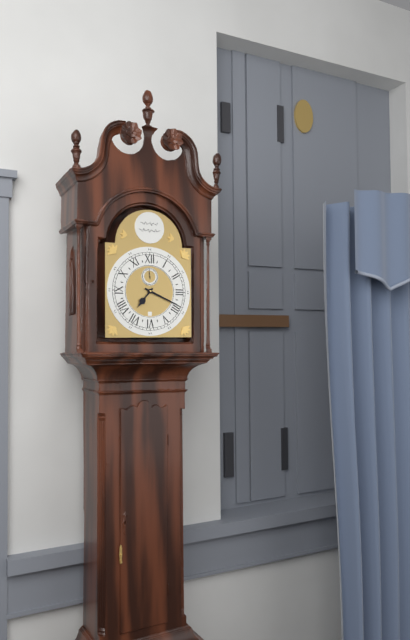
{"hour": 7, "minute": 19}
